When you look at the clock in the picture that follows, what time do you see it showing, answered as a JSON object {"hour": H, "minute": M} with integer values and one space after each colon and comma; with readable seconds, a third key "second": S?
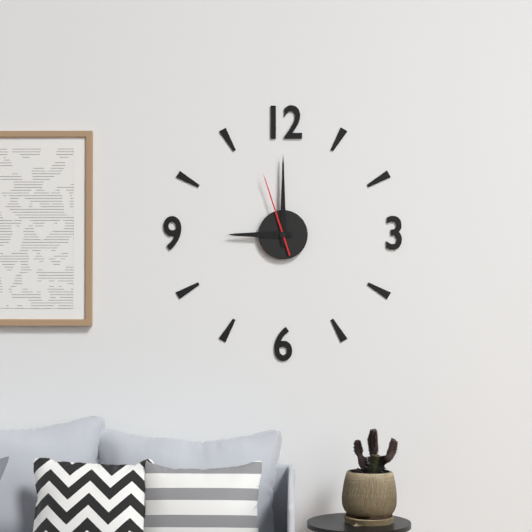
{"hour": 9, "minute": 0, "second": 57}
